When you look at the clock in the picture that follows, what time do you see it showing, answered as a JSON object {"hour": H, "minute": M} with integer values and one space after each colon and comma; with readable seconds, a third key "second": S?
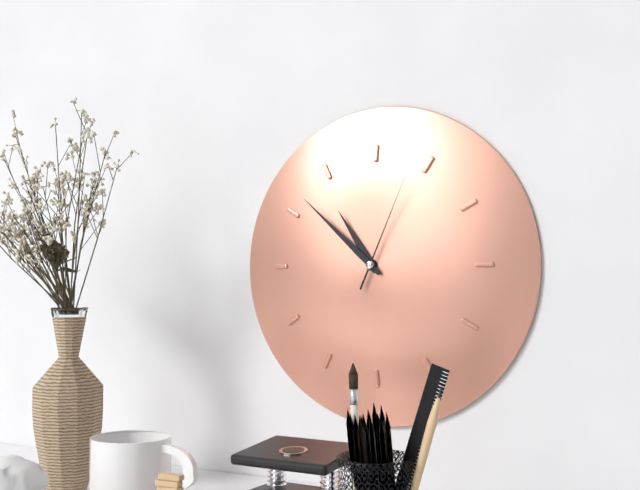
{"hour": 10, "minute": 52, "second": 4}
